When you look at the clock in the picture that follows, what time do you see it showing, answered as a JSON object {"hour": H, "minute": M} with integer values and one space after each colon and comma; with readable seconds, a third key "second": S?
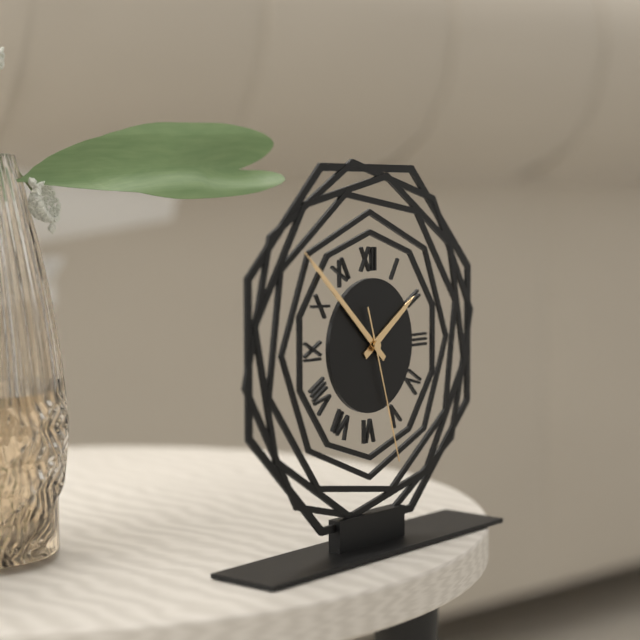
{"hour": 1, "minute": 52, "second": 27}
